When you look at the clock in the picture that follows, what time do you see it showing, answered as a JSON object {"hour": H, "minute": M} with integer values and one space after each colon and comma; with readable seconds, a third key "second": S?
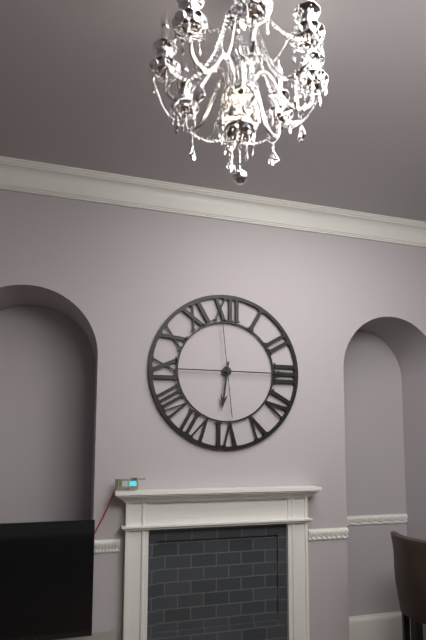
{"hour": 6, "minute": 15, "second": 59}
